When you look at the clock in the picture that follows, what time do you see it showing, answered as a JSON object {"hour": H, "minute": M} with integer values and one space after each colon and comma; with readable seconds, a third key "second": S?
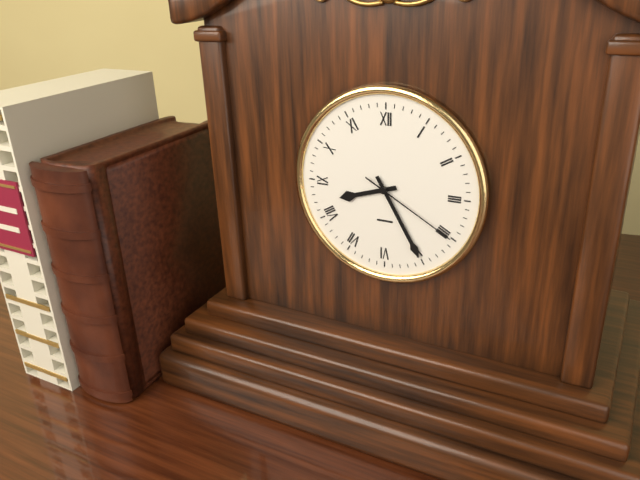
{"hour": 8, "minute": 25, "second": 20}
